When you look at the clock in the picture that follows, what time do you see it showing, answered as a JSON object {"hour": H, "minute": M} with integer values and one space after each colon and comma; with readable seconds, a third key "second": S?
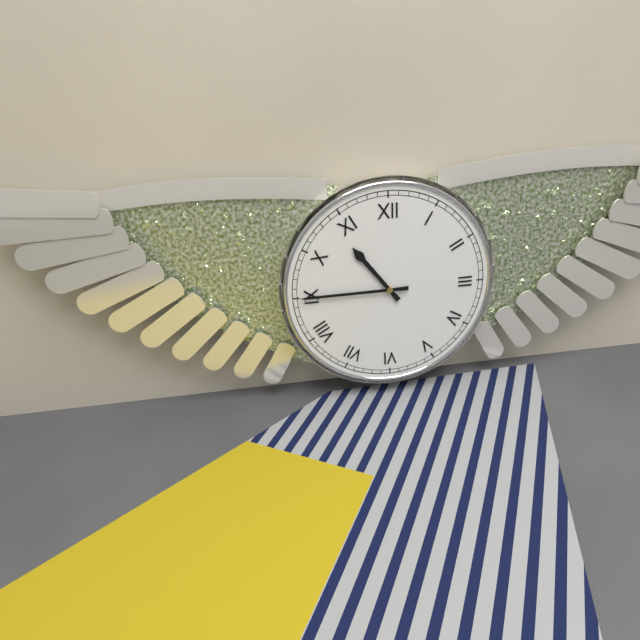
{"hour": 10, "minute": 45}
